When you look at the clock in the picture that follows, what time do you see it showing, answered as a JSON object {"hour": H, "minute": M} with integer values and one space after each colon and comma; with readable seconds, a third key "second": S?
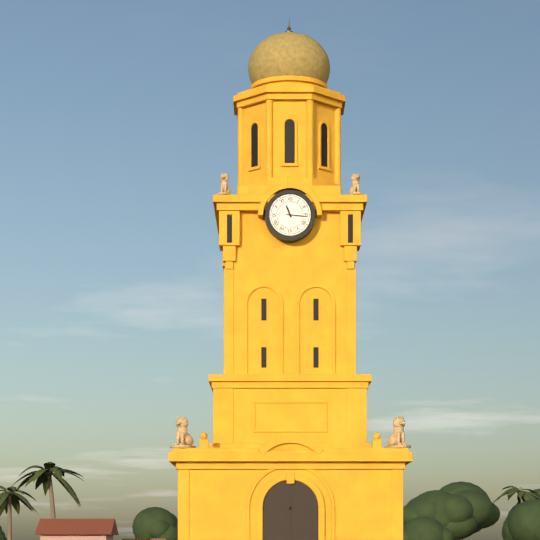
{"hour": 11, "minute": 16}
